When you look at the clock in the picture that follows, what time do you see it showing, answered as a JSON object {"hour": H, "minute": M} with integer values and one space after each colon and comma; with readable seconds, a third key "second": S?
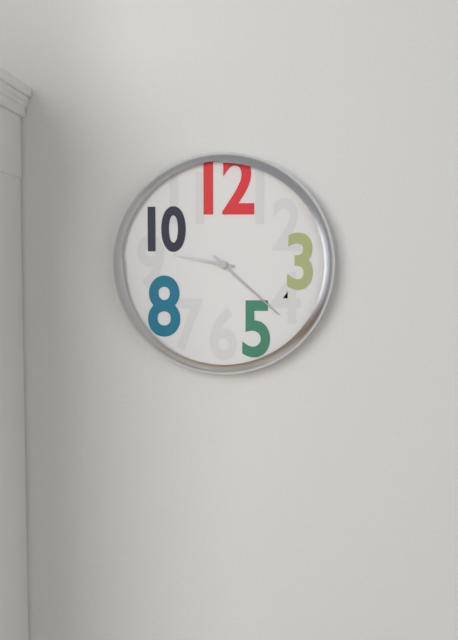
{"hour": 9, "minute": 22}
